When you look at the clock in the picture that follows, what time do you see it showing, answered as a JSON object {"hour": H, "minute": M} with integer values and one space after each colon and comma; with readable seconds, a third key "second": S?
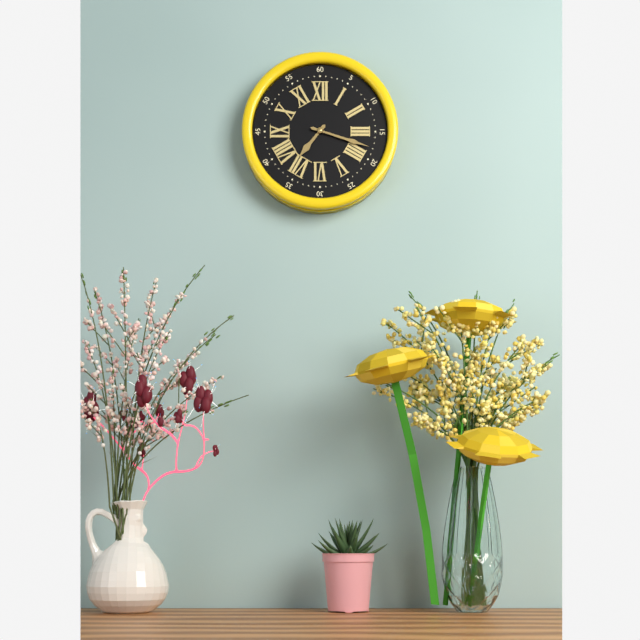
{"hour": 7, "minute": 18}
